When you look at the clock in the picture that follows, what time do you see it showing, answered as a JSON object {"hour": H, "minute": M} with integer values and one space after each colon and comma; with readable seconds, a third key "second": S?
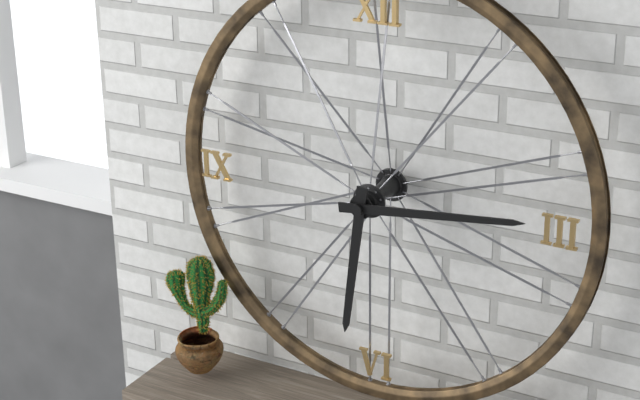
{"hour": 6, "minute": 14}
